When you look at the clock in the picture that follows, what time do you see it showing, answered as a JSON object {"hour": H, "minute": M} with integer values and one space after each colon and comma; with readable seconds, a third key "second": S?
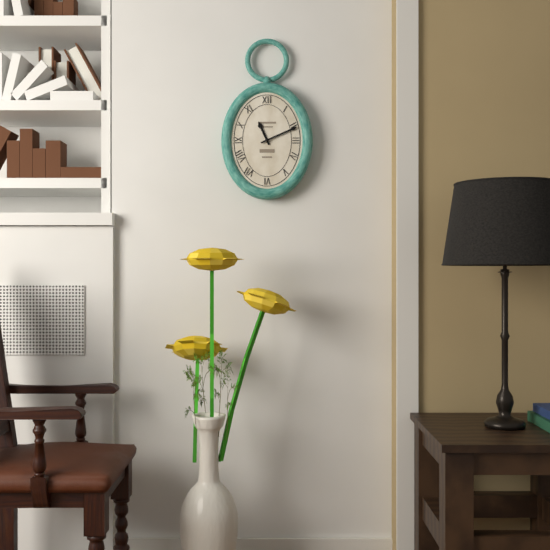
{"hour": 11, "minute": 11}
